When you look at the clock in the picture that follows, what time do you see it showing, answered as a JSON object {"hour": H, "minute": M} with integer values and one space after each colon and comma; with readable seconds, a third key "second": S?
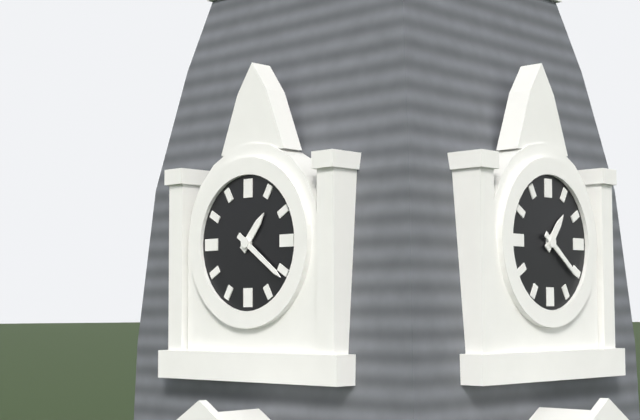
{"hour": 1, "minute": 21}
